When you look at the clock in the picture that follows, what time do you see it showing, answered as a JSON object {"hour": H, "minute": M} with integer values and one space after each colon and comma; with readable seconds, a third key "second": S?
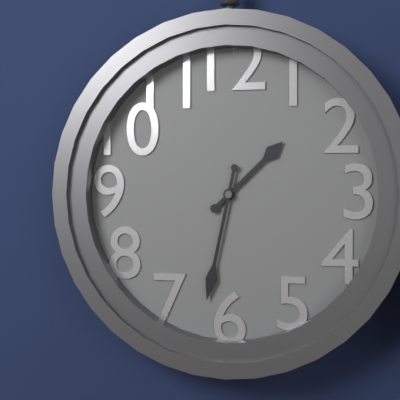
{"hour": 1, "minute": 32}
